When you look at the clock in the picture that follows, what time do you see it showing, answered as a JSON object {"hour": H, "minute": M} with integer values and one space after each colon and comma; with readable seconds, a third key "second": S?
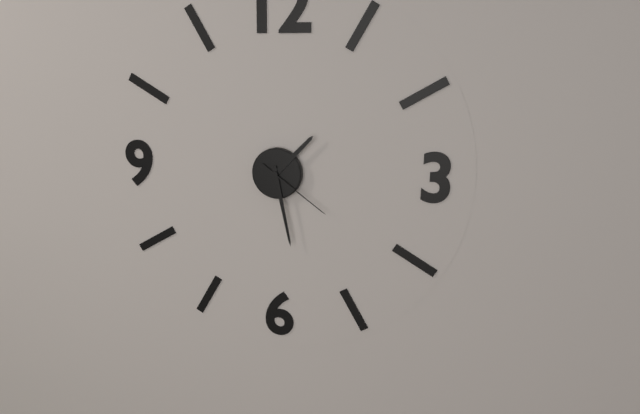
{"hour": 1, "minute": 28, "second": 21}
